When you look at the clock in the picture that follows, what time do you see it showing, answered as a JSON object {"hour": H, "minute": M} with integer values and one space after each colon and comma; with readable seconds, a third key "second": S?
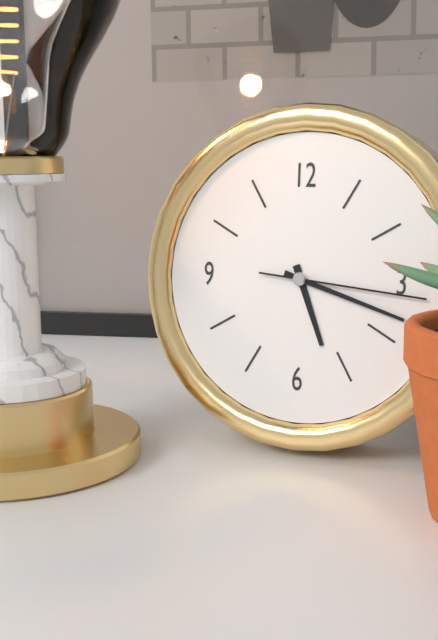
{"hour": 5, "minute": 18, "second": 16}
